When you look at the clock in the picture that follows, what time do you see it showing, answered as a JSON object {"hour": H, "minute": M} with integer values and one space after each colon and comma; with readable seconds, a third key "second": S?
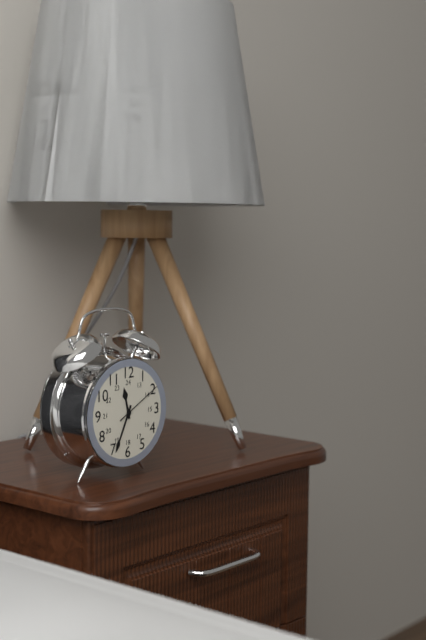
{"hour": 11, "minute": 34}
